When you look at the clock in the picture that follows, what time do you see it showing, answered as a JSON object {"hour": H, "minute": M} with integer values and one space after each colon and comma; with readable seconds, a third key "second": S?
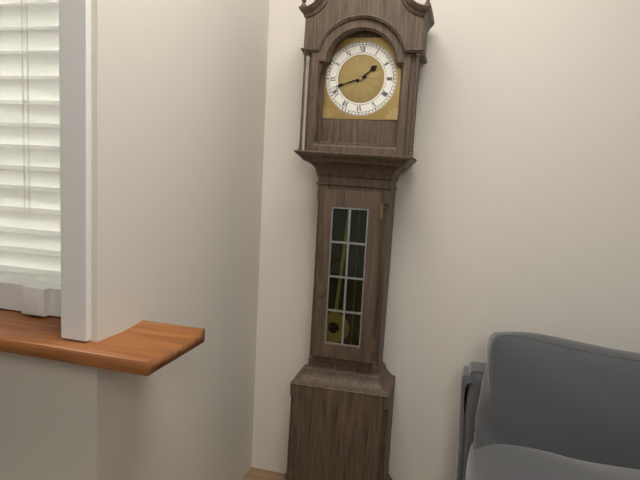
{"hour": 1, "minute": 42}
